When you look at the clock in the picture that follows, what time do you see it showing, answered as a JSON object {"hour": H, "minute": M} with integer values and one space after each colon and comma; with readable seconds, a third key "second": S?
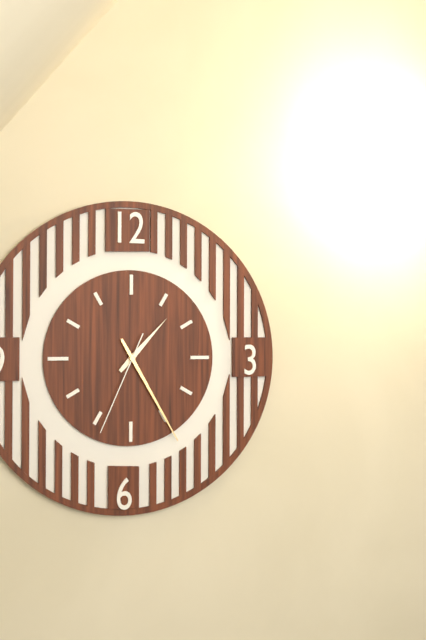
{"hour": 1, "minute": 25, "second": 34}
